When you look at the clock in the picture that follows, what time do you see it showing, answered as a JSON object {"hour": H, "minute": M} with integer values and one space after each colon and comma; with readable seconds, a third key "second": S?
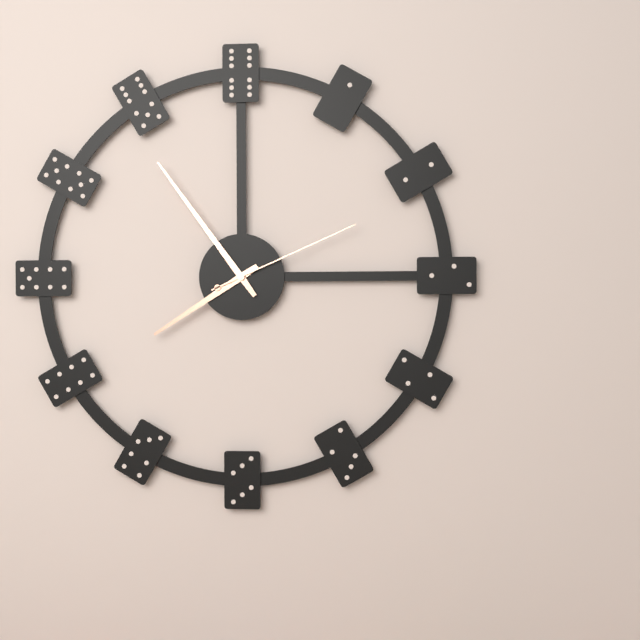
{"hour": 7, "minute": 54, "second": 11}
